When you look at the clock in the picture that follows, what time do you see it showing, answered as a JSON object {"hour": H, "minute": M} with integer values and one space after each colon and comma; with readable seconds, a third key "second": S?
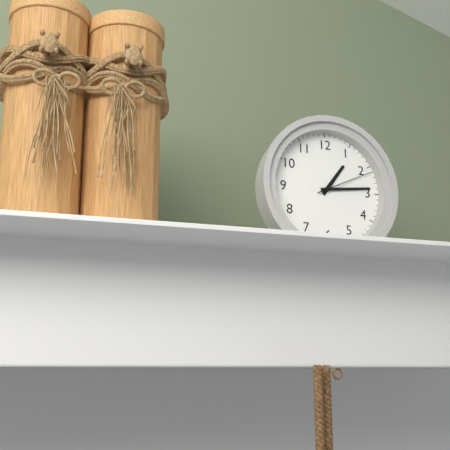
{"hour": 1, "minute": 14, "second": 11}
